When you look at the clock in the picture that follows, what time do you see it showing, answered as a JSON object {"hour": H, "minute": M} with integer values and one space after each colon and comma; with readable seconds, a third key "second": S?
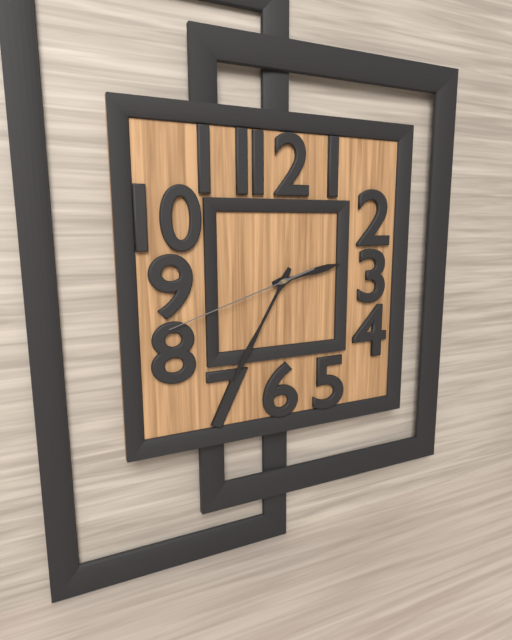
{"hour": 2, "minute": 35, "second": 42}
